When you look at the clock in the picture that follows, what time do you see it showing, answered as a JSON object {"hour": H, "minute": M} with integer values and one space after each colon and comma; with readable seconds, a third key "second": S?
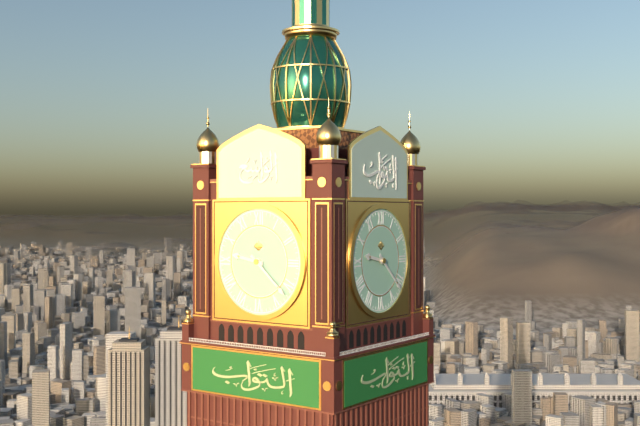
{"hour": 9, "minute": 22}
